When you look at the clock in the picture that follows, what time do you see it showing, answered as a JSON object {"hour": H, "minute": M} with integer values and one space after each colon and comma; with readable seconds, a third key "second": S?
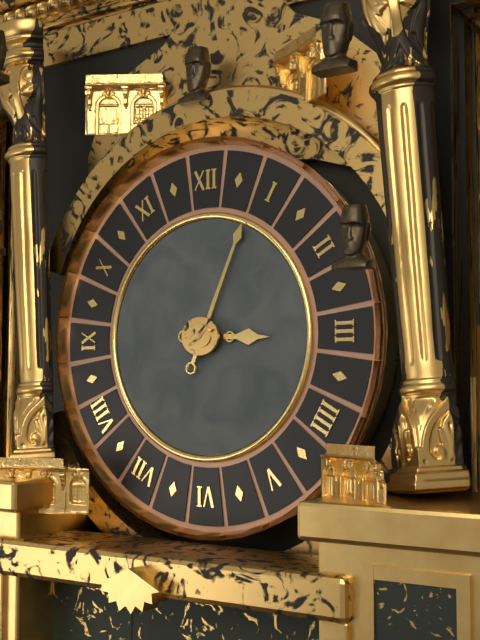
{"hour": 3, "minute": 4}
